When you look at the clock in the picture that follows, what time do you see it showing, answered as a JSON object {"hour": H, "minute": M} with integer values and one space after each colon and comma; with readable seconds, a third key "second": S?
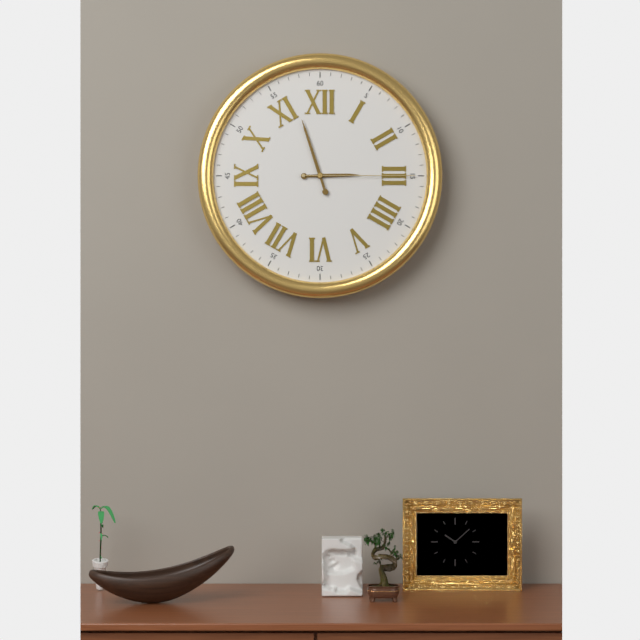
{"hour": 2, "minute": 57, "second": 15}
